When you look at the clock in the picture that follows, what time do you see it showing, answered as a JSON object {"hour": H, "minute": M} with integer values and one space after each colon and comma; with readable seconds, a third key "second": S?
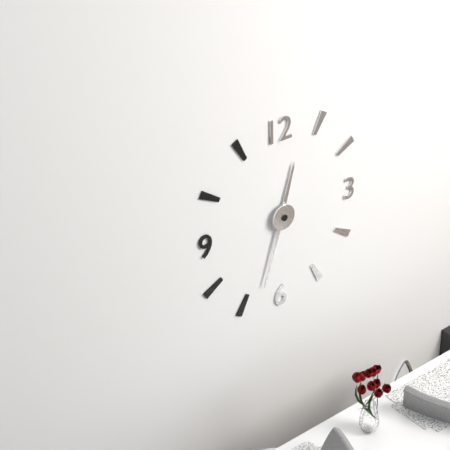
{"hour": 12, "minute": 33}
